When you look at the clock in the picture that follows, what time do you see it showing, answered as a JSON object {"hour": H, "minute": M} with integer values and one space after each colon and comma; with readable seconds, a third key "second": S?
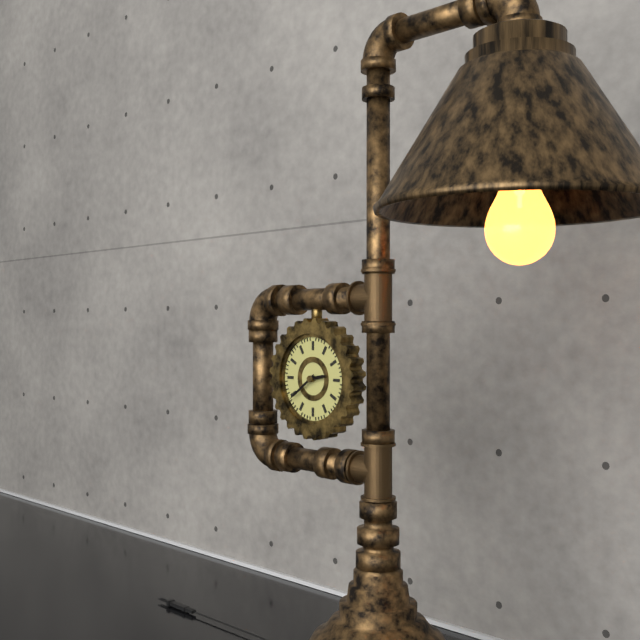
{"hour": 2, "minute": 39}
